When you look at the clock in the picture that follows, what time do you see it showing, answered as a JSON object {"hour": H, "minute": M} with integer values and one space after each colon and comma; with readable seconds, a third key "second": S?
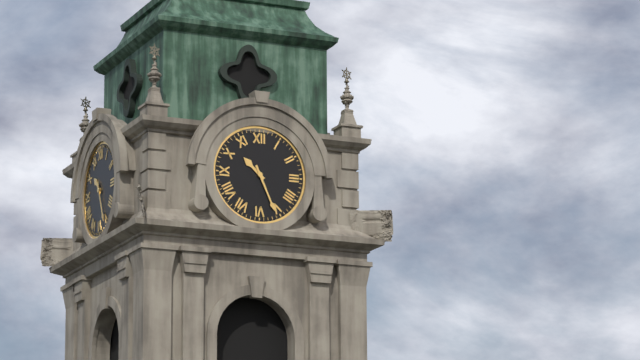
{"hour": 10, "minute": 26}
